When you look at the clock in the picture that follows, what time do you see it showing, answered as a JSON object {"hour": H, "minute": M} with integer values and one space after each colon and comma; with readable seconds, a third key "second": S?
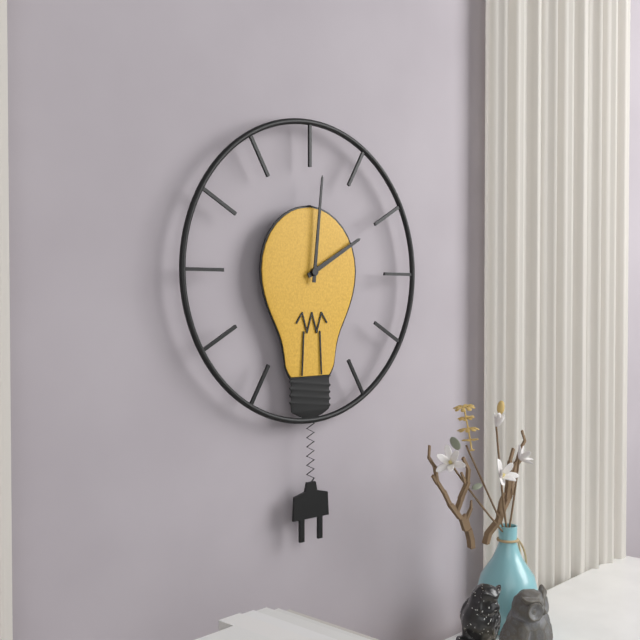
{"hour": 2, "minute": 1}
